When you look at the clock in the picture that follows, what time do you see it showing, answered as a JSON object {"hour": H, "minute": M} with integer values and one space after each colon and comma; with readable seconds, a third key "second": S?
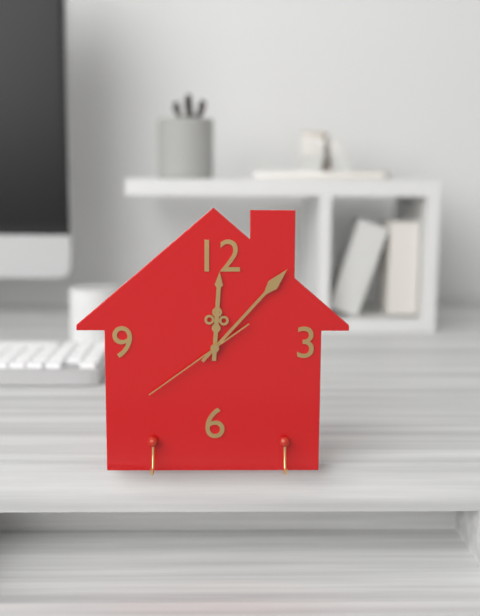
{"hour": 12, "minute": 7, "second": 39}
